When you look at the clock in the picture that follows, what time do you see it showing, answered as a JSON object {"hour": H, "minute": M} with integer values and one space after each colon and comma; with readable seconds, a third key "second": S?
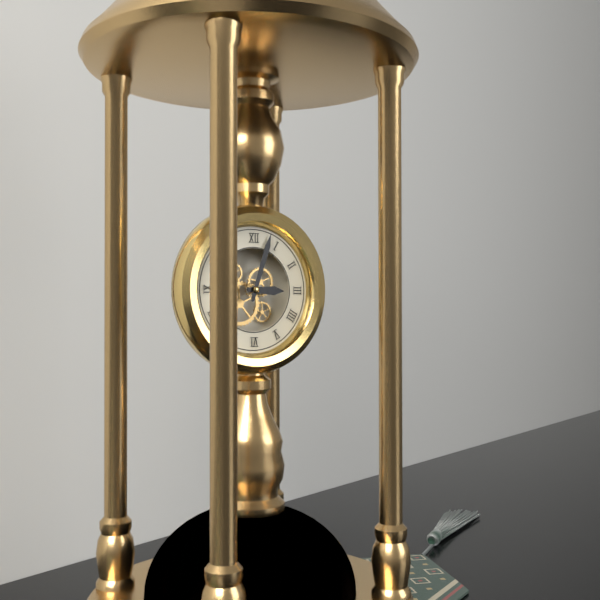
{"hour": 3, "minute": 3}
